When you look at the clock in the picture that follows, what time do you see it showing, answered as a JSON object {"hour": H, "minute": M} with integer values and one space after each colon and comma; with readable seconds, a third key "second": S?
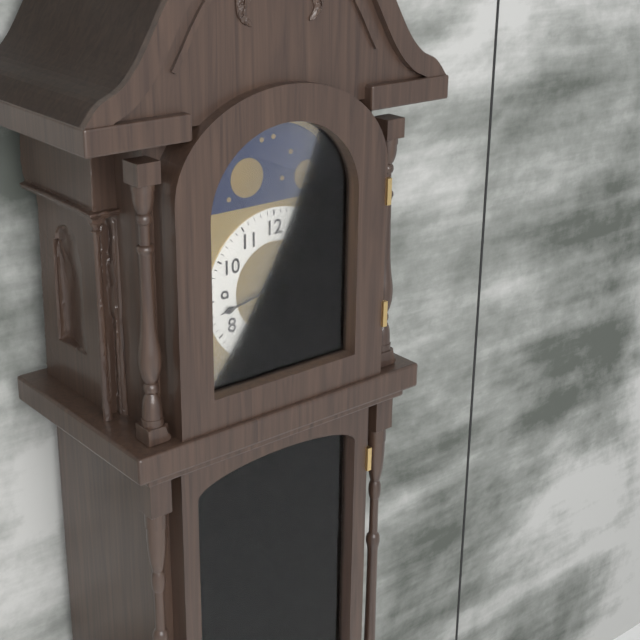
{"hour": 5, "minute": 43}
